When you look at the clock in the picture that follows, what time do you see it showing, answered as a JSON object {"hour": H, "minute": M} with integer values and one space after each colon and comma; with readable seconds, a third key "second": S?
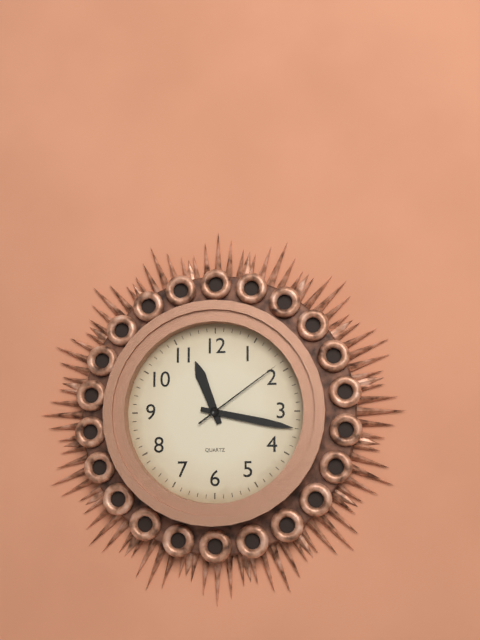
{"hour": 11, "minute": 17, "second": 9}
